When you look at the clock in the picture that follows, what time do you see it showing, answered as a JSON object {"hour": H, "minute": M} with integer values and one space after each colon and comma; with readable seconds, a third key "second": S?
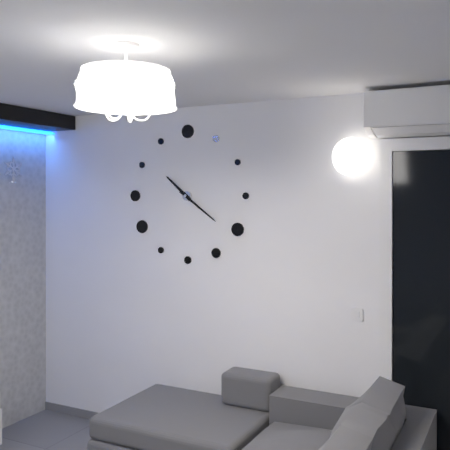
{"hour": 10, "minute": 21}
